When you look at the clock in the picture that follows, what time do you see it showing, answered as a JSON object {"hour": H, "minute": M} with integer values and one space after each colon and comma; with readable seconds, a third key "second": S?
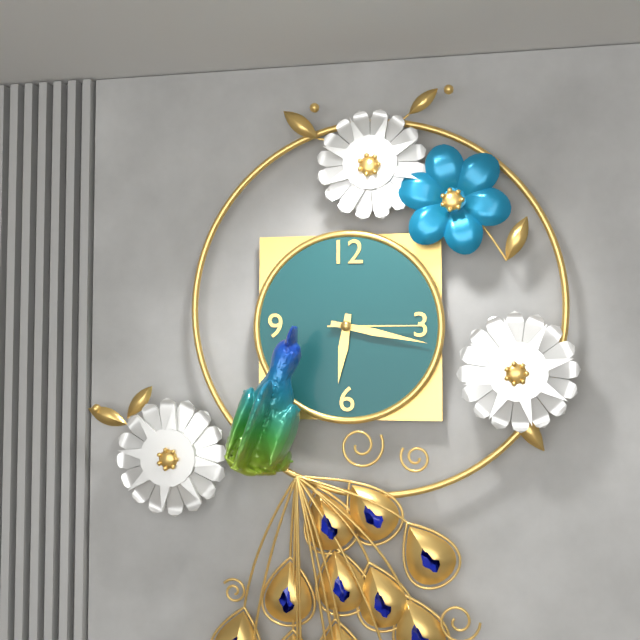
{"hour": 6, "minute": 17, "second": 15}
